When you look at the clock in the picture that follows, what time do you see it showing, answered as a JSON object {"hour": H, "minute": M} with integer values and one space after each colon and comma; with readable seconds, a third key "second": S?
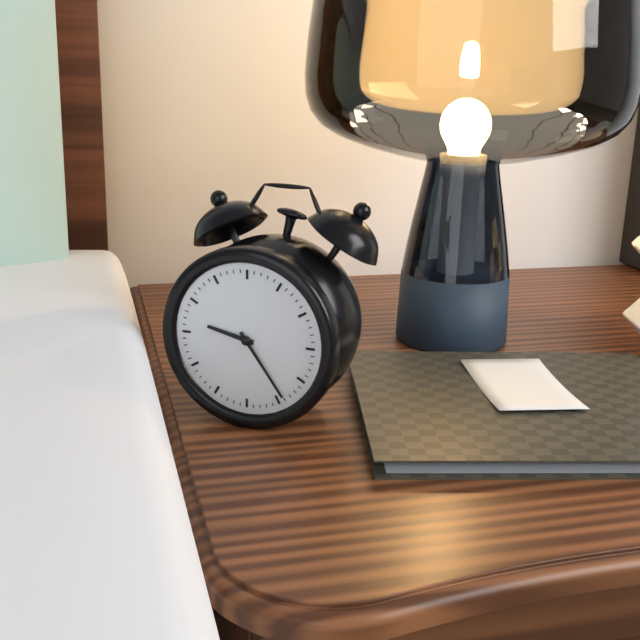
{"hour": 9, "minute": 24}
